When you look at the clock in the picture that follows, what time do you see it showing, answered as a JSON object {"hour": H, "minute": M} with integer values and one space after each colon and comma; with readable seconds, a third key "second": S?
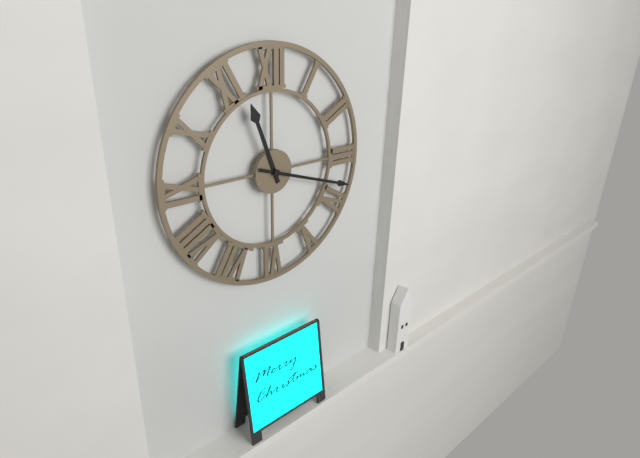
{"hour": 11, "minute": 18}
